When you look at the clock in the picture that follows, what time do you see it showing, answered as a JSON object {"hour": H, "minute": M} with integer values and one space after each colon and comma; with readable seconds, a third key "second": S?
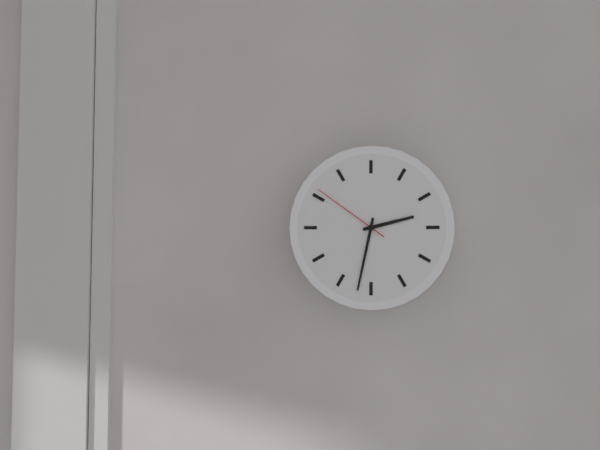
{"hour": 2, "minute": 32, "second": 51}
